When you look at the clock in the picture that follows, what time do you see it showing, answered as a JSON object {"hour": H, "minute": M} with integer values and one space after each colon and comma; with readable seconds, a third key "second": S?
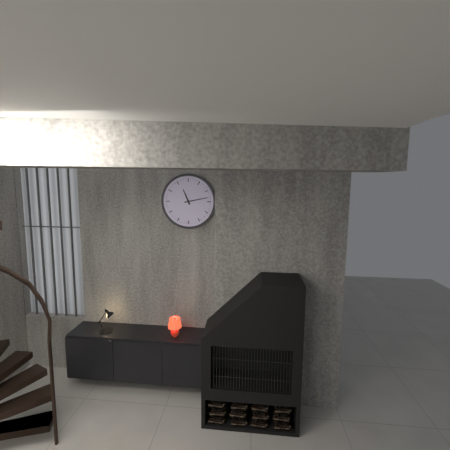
{"hour": 11, "minute": 13}
